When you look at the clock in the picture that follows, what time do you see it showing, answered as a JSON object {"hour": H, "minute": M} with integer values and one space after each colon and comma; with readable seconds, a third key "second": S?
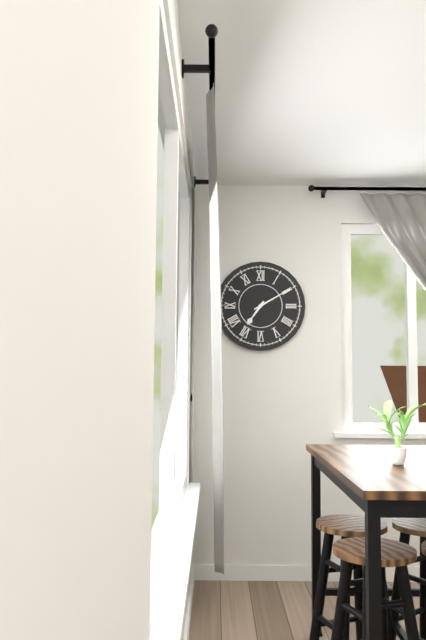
{"hour": 7, "minute": 10}
